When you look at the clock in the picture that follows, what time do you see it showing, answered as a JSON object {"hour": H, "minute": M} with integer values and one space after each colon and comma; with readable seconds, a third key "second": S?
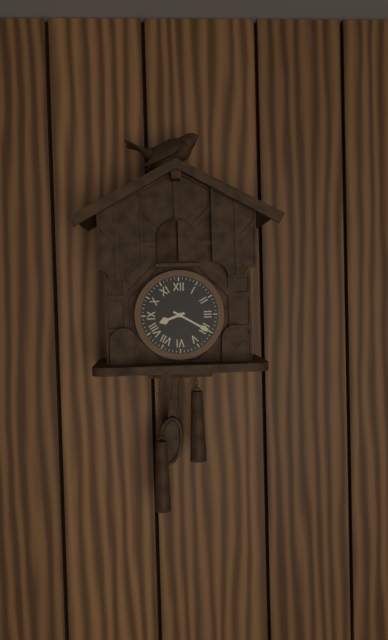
{"hour": 8, "minute": 20}
